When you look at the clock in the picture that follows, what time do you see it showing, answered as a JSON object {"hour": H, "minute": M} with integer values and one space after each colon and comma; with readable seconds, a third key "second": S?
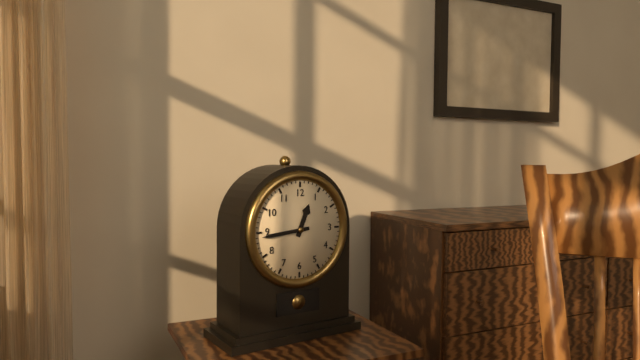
{"hour": 12, "minute": 44}
